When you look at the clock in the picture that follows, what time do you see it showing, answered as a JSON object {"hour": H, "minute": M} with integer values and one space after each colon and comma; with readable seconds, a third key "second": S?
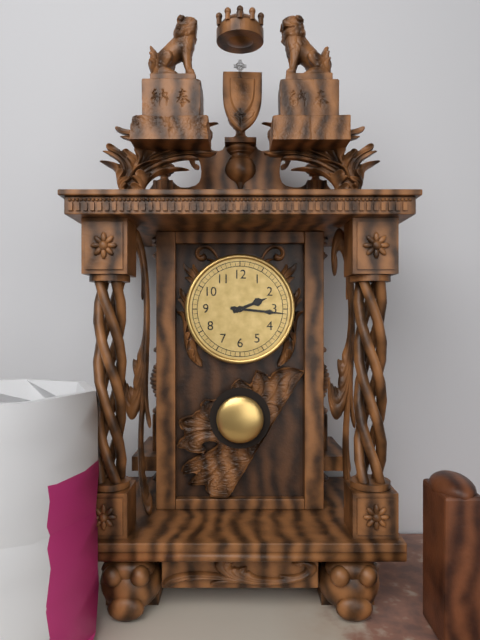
{"hour": 2, "minute": 16}
